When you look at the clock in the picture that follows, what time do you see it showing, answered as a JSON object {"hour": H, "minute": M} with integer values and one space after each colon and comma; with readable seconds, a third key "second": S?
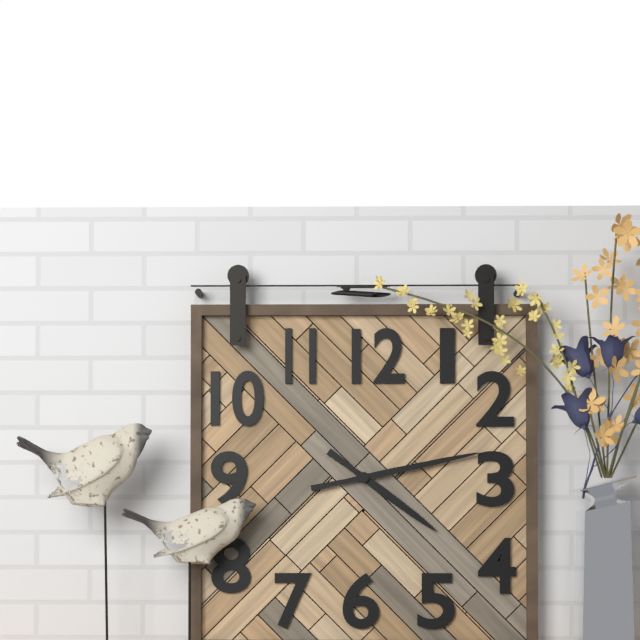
{"hour": 4, "minute": 13}
